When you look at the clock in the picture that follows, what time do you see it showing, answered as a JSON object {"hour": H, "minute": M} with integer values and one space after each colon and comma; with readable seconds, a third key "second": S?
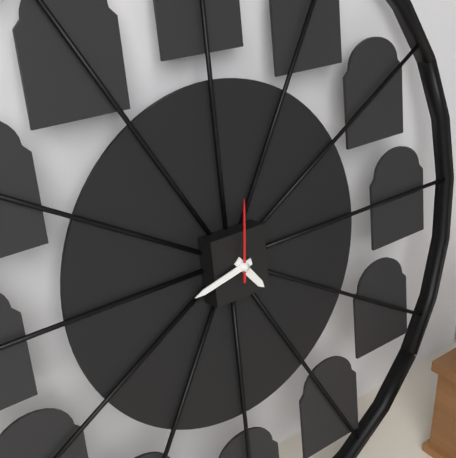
{"hour": 4, "minute": 43, "second": 1}
